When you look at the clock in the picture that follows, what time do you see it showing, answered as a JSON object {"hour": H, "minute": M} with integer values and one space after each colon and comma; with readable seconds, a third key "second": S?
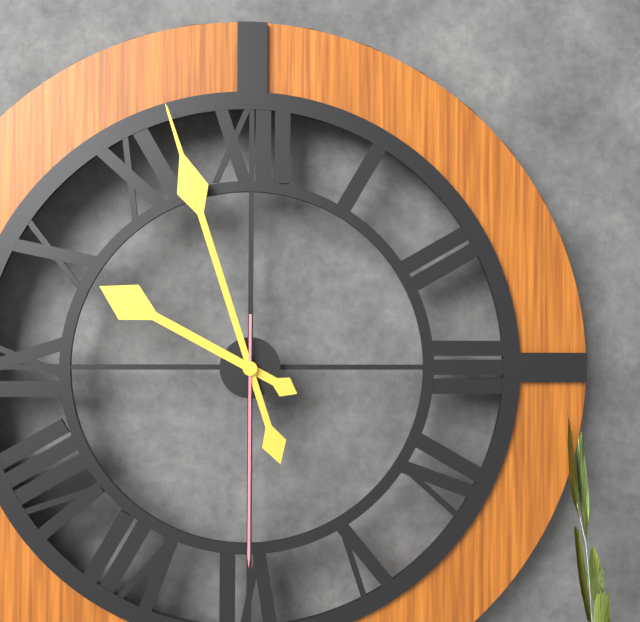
{"hour": 9, "minute": 57, "second": 30}
